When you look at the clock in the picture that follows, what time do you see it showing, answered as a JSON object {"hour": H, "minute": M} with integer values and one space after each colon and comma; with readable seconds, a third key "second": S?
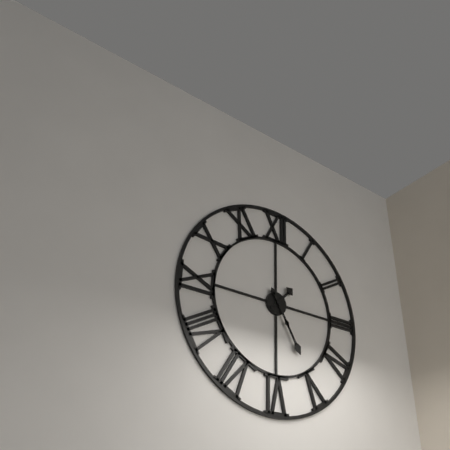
{"hour": 1, "minute": 25}
